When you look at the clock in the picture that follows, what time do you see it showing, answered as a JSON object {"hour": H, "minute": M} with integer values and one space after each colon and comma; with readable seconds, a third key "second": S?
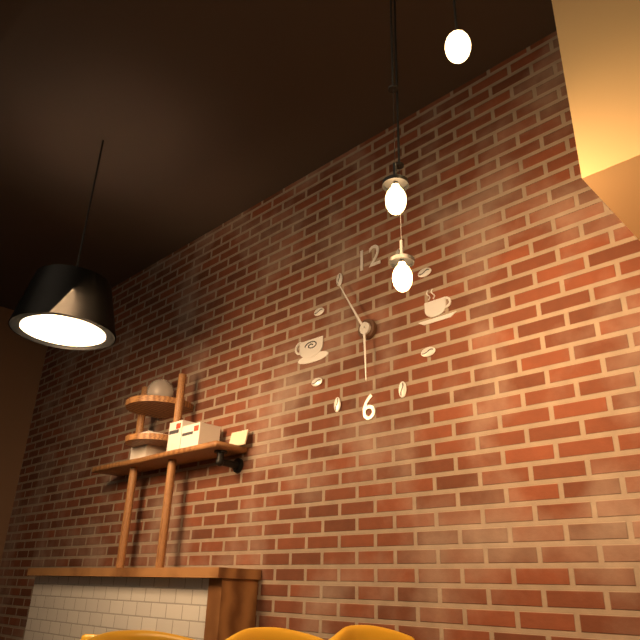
{"hour": 5, "minute": 55}
